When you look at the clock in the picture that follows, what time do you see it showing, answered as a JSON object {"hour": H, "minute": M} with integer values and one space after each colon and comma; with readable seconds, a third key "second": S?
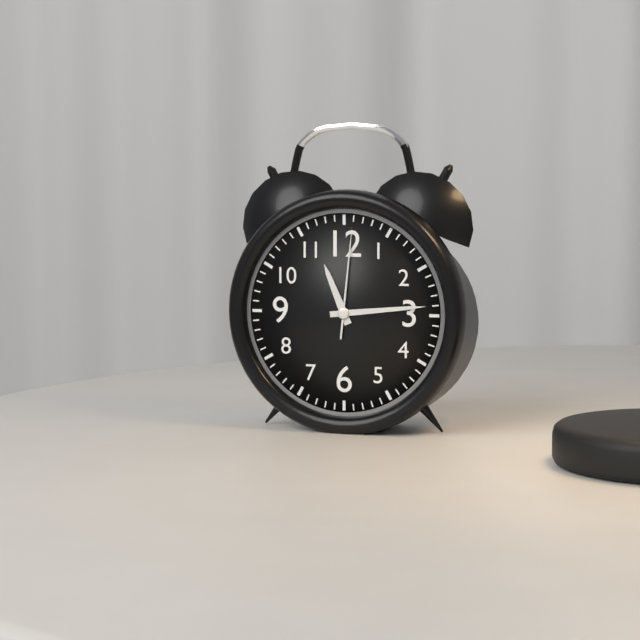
{"hour": 11, "minute": 14, "second": 1}
